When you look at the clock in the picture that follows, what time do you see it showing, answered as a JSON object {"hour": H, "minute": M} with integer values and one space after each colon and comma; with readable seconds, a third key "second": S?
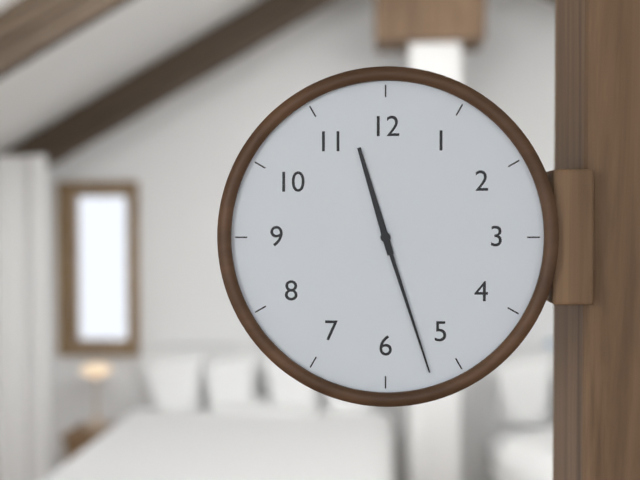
{"hour": 11, "minute": 27}
